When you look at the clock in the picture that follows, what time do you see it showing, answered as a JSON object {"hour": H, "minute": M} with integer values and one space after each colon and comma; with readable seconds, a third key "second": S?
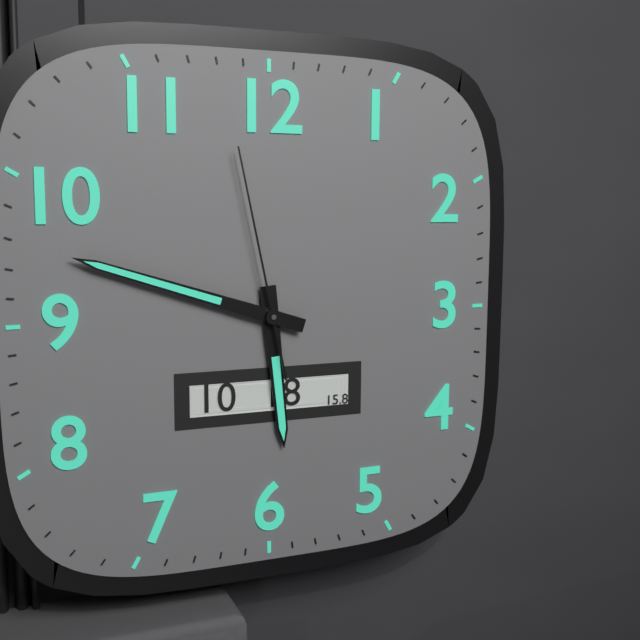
{"hour": 5, "minute": 48, "second": 58}
